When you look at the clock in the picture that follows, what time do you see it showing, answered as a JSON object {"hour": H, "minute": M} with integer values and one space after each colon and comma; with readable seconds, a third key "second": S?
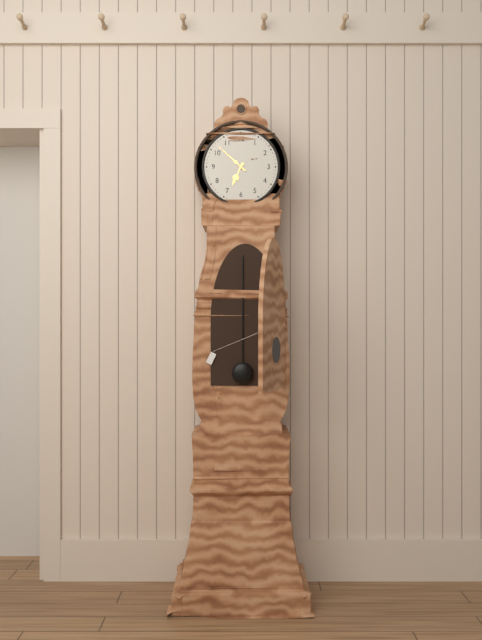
{"hour": 6, "minute": 52}
